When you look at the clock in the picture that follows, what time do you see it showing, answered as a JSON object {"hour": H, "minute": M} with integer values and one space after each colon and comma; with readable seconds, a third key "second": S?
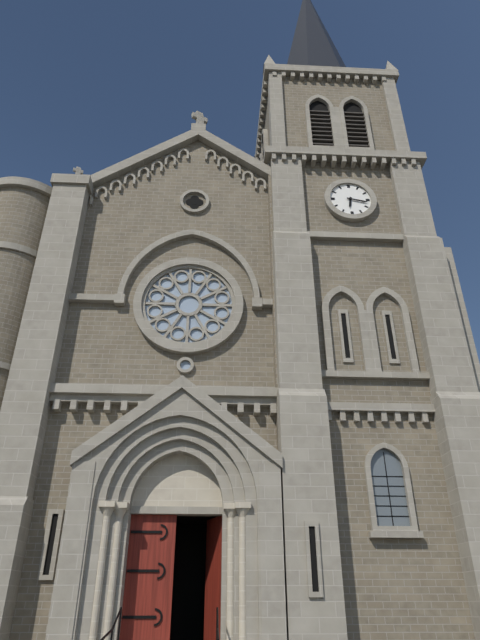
{"hour": 6, "minute": 17}
